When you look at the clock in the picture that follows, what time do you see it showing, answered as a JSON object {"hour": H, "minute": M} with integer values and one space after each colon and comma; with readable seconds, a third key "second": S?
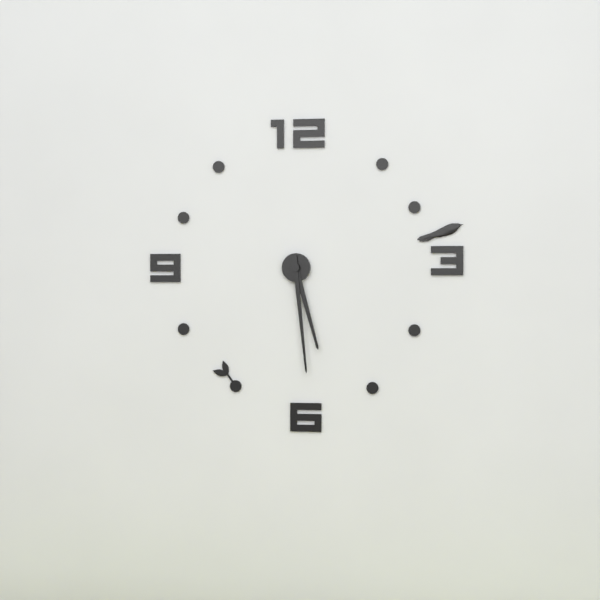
{"hour": 5, "minute": 29}
